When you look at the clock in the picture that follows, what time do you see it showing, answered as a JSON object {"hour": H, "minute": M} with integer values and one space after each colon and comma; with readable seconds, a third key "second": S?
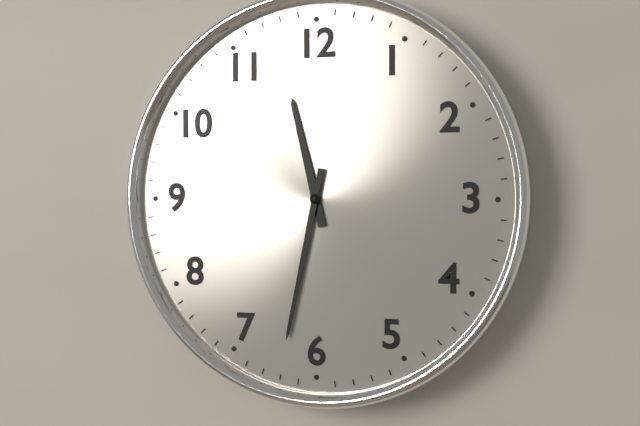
{"hour": 11, "minute": 32}
